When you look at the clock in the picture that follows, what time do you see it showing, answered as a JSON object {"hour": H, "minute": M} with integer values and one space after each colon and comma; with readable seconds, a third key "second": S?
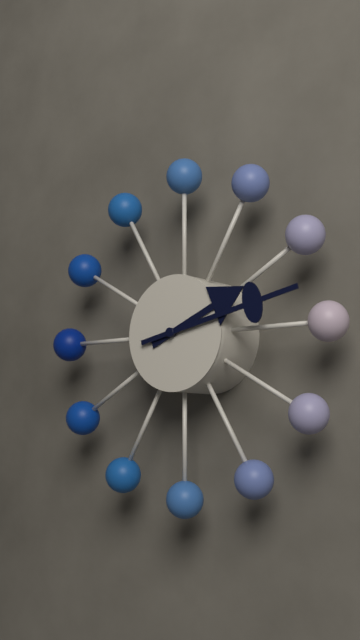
{"hour": 2, "minute": 13}
